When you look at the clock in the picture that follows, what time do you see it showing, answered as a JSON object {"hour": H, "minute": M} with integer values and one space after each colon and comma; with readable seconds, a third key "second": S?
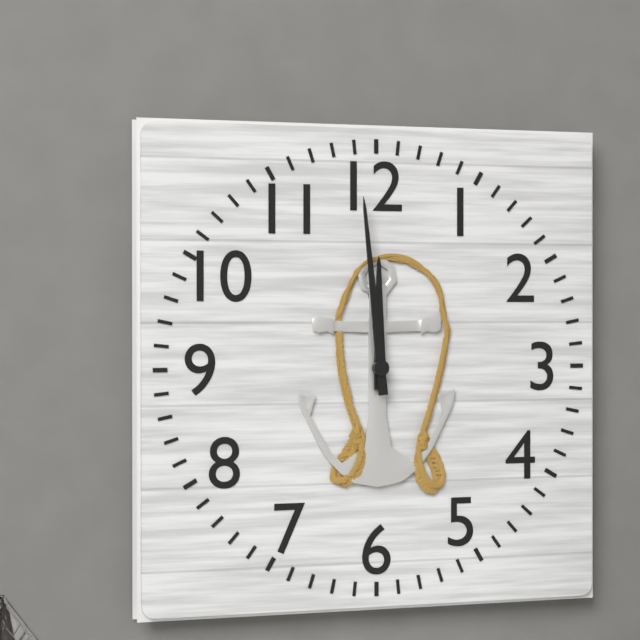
{"hour": 11, "minute": 59}
